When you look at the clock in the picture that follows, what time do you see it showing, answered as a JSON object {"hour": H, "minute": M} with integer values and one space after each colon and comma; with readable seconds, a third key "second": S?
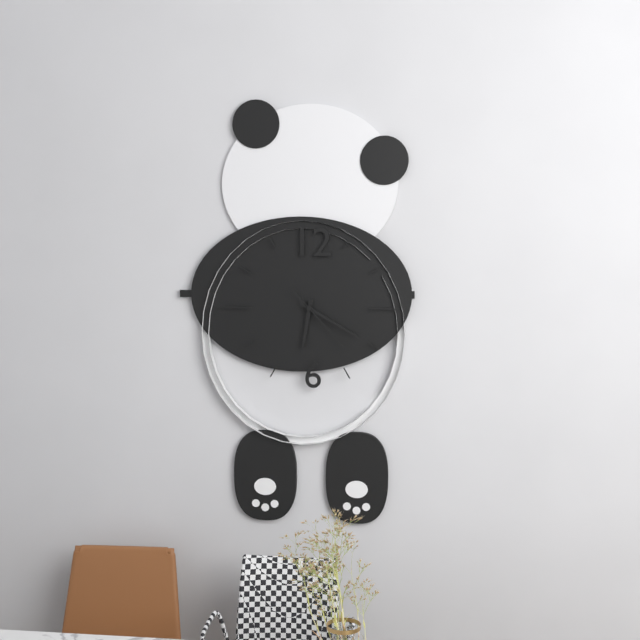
{"hour": 6, "minute": 20, "second": 23}
